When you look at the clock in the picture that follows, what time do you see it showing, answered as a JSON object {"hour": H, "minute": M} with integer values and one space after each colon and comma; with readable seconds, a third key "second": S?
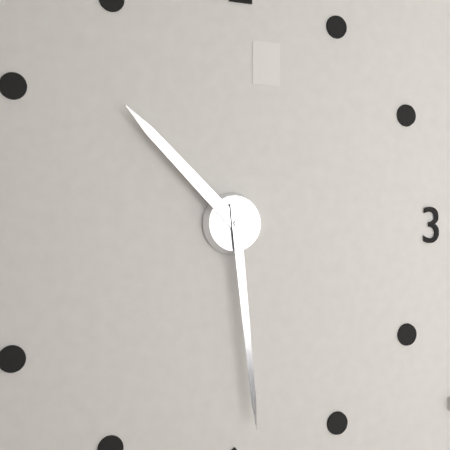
{"hour": 10, "minute": 29}
